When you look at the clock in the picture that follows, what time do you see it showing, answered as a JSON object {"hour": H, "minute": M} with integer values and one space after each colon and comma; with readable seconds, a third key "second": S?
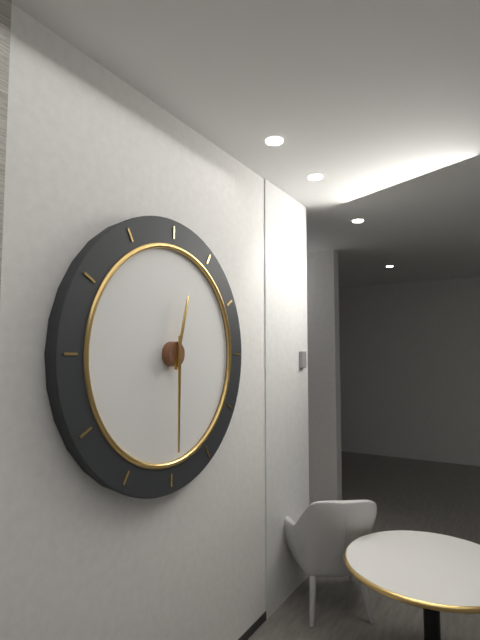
{"hour": 12, "minute": 30}
